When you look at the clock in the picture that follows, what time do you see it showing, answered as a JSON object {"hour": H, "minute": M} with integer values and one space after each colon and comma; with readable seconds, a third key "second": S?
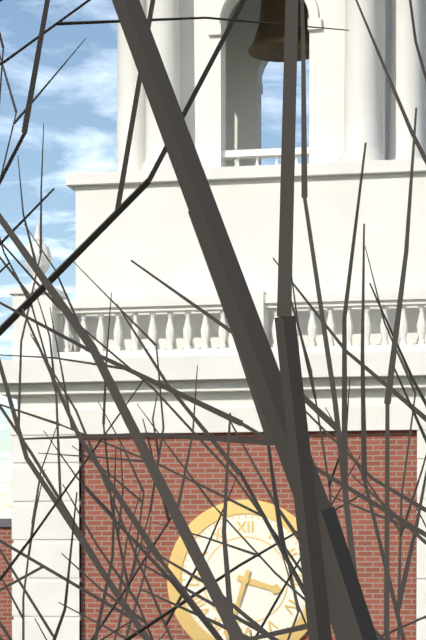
{"hour": 3, "minute": 33}
